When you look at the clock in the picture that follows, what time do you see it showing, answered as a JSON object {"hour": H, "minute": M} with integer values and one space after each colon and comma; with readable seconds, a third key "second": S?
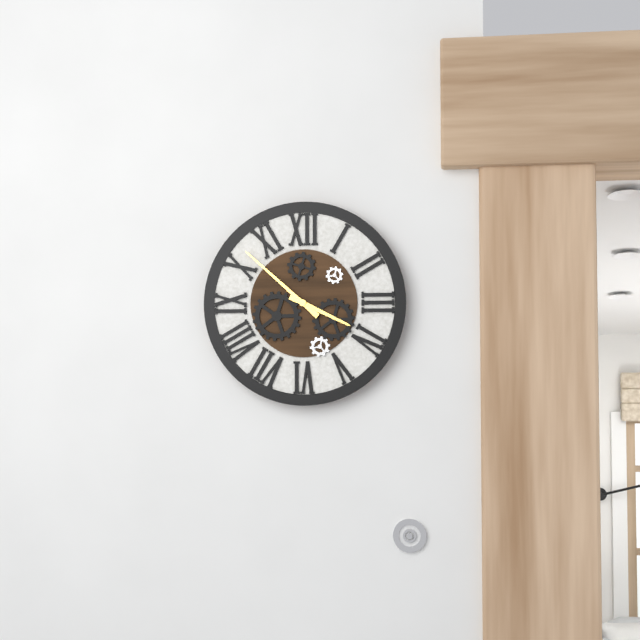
{"hour": 3, "minute": 52}
